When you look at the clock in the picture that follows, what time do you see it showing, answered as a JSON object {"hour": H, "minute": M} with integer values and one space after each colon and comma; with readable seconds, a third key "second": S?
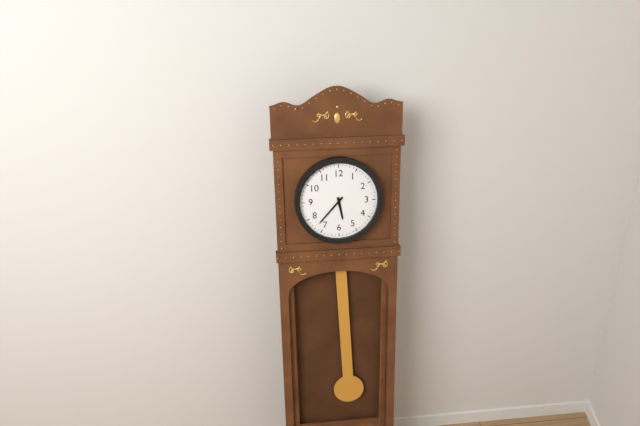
{"hour": 5, "minute": 37}
